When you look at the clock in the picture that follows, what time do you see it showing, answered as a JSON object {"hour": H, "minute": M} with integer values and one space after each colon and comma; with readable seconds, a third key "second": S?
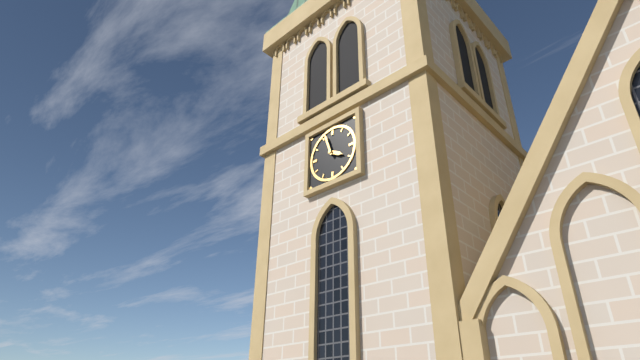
{"hour": 3, "minute": 57}
